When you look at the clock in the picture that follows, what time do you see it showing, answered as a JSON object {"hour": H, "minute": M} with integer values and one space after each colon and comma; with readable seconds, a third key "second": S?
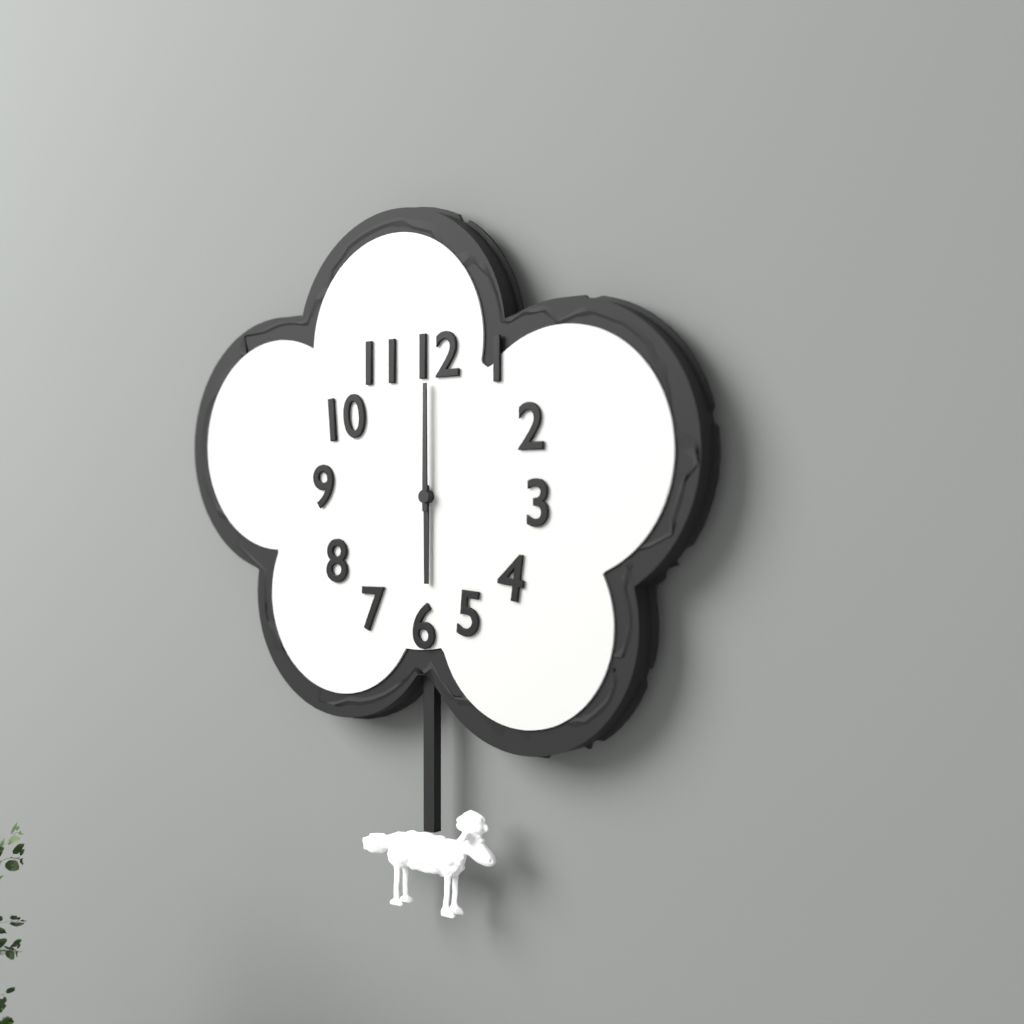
{"hour": 6, "minute": 0}
